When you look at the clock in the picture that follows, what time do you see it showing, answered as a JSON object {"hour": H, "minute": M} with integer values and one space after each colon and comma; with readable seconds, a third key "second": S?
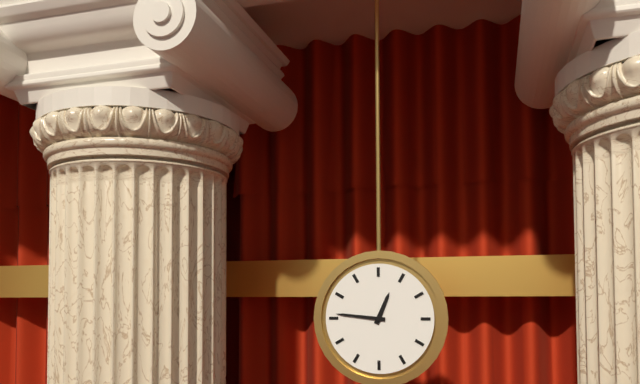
{"hour": 12, "minute": 46}
